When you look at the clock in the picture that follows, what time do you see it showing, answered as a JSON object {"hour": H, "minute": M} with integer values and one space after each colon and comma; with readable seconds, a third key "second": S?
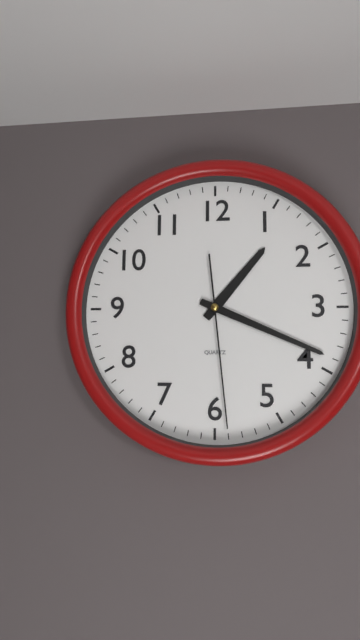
{"hour": 1, "minute": 19, "second": 29}
